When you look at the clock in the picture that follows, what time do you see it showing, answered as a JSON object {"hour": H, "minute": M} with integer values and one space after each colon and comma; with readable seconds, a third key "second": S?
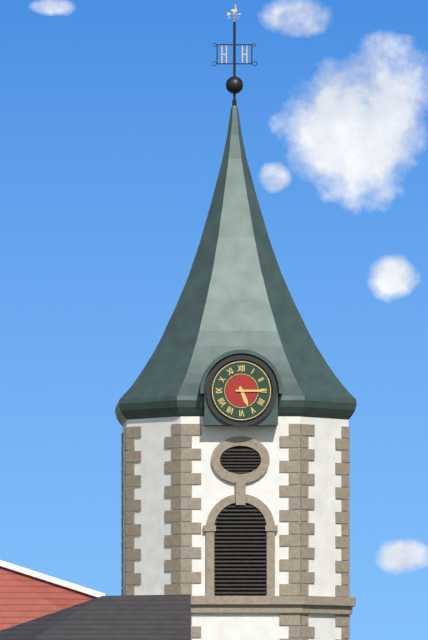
{"hour": 5, "minute": 15}
